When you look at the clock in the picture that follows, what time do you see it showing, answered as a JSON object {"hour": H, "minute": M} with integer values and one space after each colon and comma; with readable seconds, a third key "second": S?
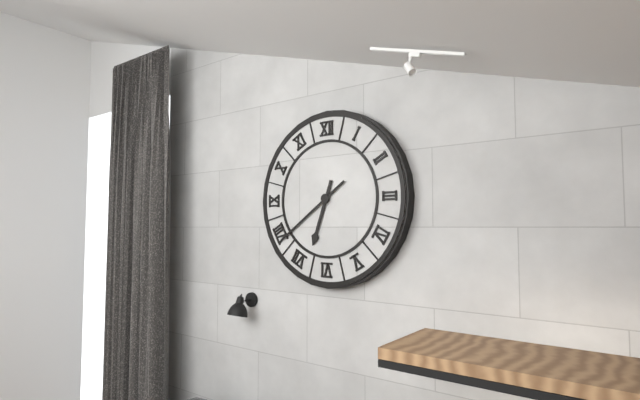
{"hour": 6, "minute": 39}
